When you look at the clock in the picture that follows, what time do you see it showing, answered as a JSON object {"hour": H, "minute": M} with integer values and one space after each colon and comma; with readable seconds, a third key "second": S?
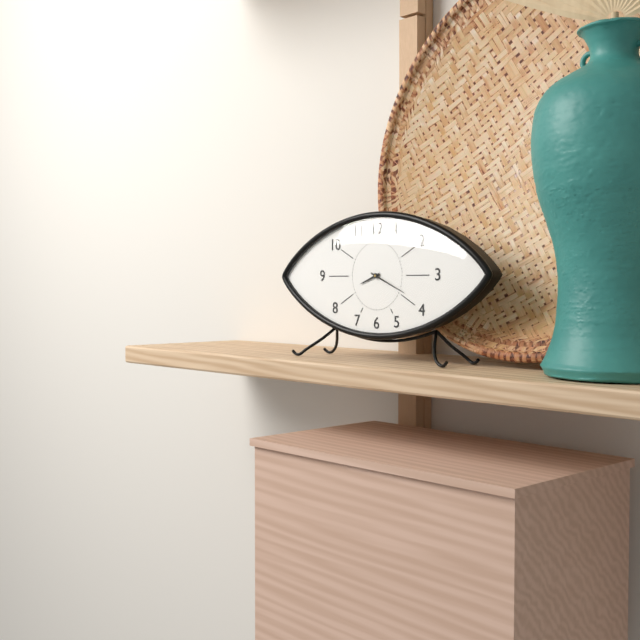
{"hour": 8, "minute": 19}
